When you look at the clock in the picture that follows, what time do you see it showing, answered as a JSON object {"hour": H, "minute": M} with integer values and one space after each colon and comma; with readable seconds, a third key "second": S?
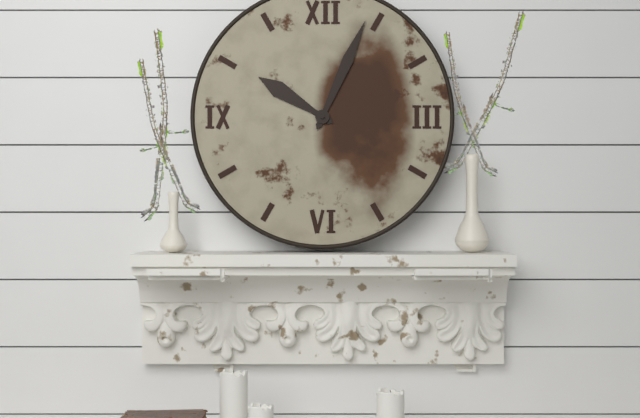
{"hour": 10, "minute": 4}
